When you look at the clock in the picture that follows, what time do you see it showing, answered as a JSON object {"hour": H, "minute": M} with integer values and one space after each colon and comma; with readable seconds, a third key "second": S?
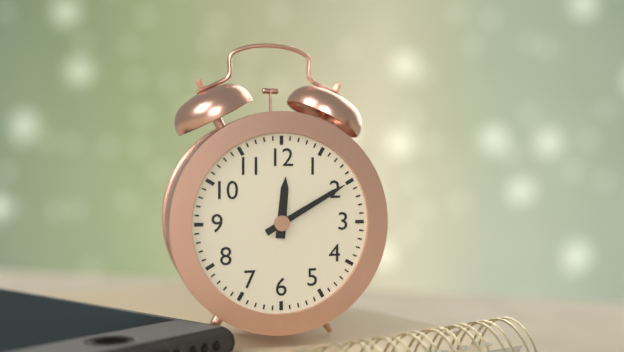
{"hour": 12, "minute": 10}
